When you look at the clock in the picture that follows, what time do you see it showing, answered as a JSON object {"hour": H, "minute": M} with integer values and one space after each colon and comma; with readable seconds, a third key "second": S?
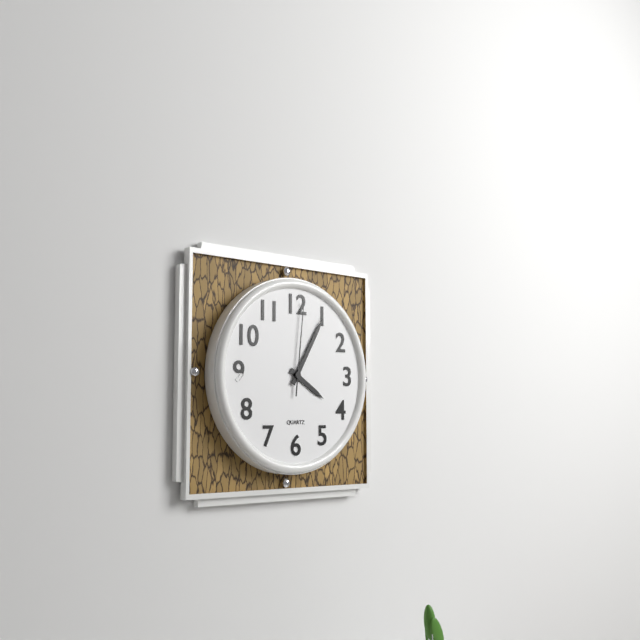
{"hour": 4, "minute": 5, "second": 1}
